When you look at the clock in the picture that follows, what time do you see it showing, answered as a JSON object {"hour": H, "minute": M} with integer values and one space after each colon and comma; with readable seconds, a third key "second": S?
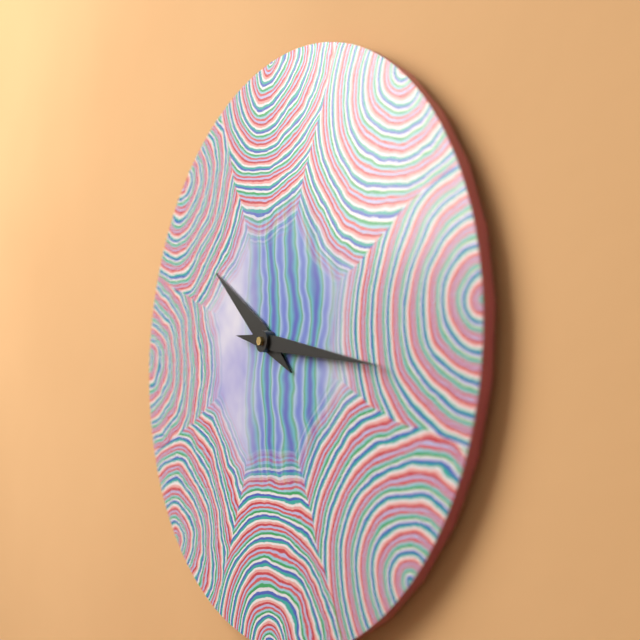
{"hour": 10, "minute": 17}
